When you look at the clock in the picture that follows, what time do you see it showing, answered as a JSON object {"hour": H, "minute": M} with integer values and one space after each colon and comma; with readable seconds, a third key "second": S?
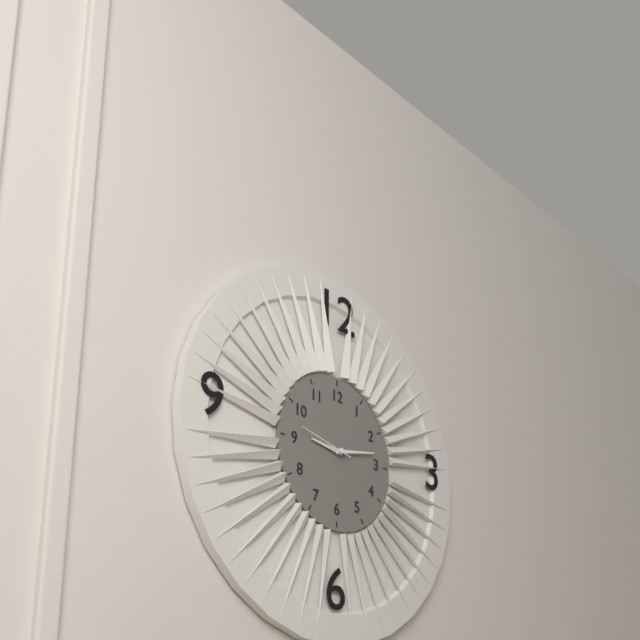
{"hour": 9, "minute": 13, "second": 47}
